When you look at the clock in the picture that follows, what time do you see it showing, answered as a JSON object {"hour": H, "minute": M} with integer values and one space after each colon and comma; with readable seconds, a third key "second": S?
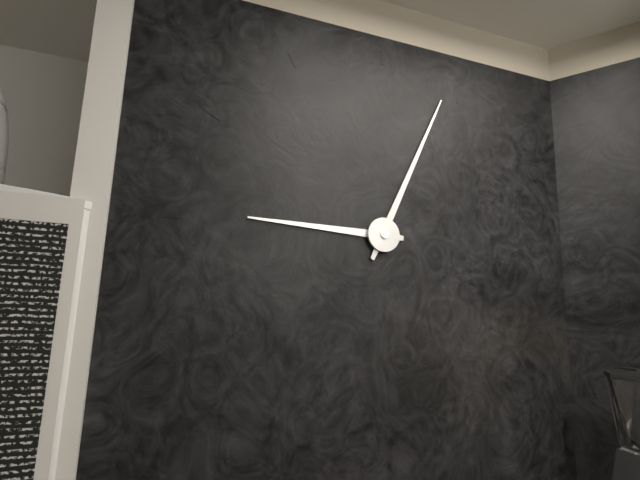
{"hour": 9, "minute": 4}
